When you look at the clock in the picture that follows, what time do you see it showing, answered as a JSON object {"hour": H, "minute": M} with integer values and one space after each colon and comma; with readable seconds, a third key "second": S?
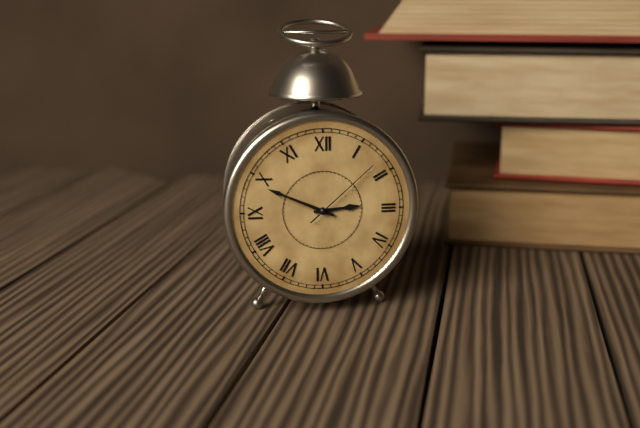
{"hour": 2, "minute": 49, "second": 8}
